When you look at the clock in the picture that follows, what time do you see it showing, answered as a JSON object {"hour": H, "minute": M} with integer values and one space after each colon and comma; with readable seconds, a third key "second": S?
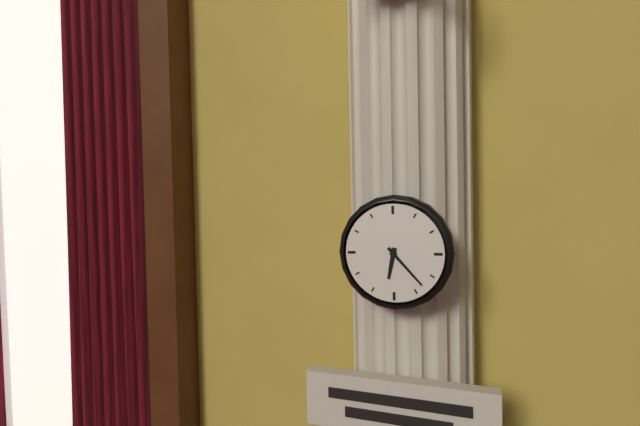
{"hour": 6, "minute": 23}
